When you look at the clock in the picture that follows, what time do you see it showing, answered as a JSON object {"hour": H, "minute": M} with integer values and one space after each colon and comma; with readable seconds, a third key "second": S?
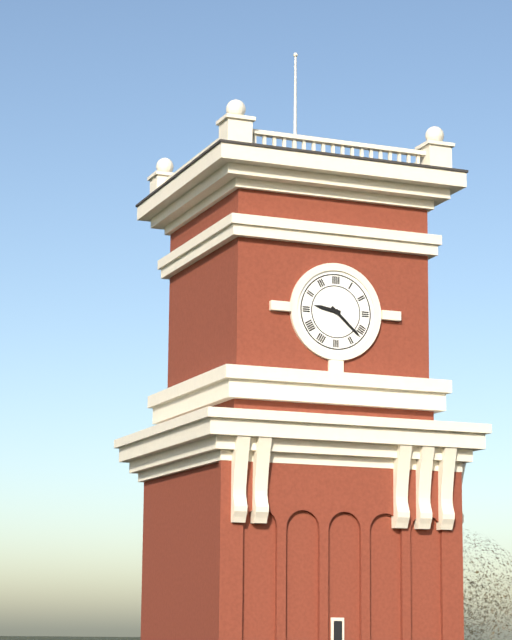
{"hour": 9, "minute": 22}
